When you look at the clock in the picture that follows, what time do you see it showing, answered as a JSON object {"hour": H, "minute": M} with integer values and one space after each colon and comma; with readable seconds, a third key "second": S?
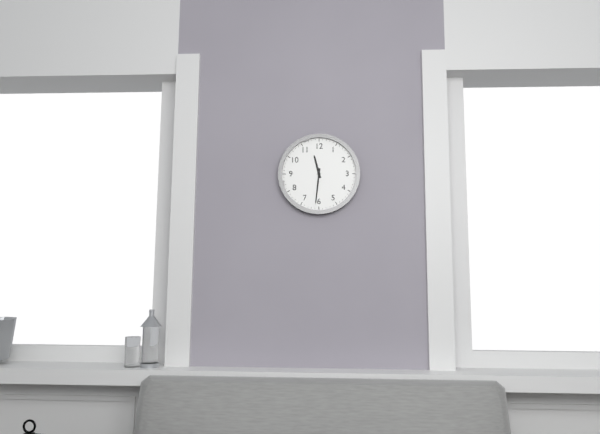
{"hour": 11, "minute": 31}
